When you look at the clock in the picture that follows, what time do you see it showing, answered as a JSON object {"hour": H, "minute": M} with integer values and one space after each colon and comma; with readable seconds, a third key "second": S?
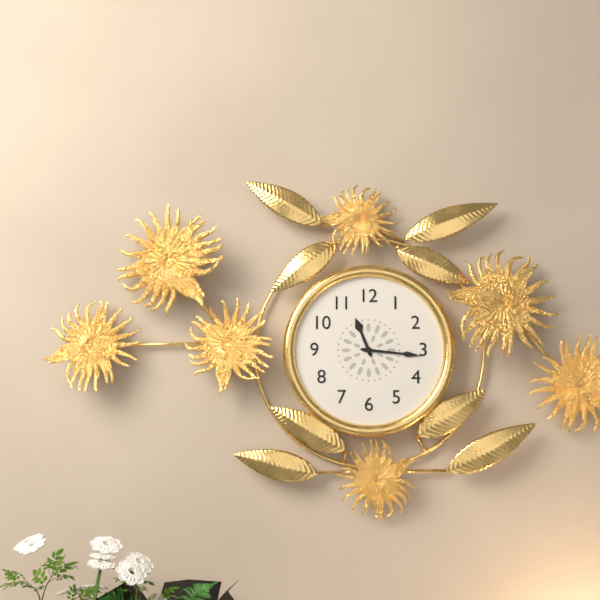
{"hour": 11, "minute": 16}
